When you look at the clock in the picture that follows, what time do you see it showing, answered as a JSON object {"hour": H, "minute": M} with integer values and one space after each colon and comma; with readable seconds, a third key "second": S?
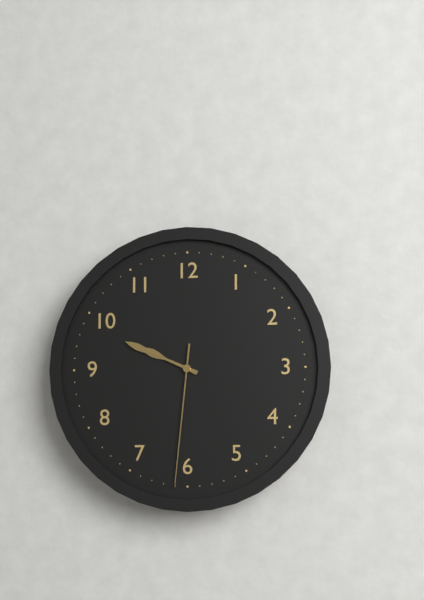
{"hour": 9, "minute": 49, "second": 31}
